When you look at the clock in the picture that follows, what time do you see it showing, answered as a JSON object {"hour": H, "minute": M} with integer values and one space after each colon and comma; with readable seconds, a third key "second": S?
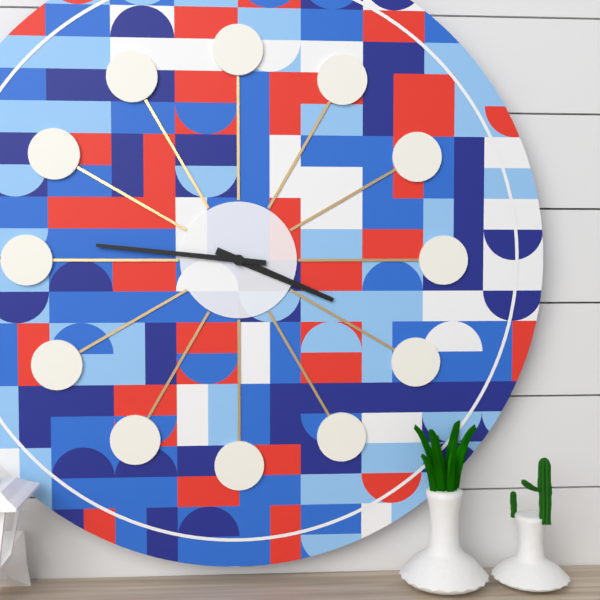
{"hour": 3, "minute": 46}
